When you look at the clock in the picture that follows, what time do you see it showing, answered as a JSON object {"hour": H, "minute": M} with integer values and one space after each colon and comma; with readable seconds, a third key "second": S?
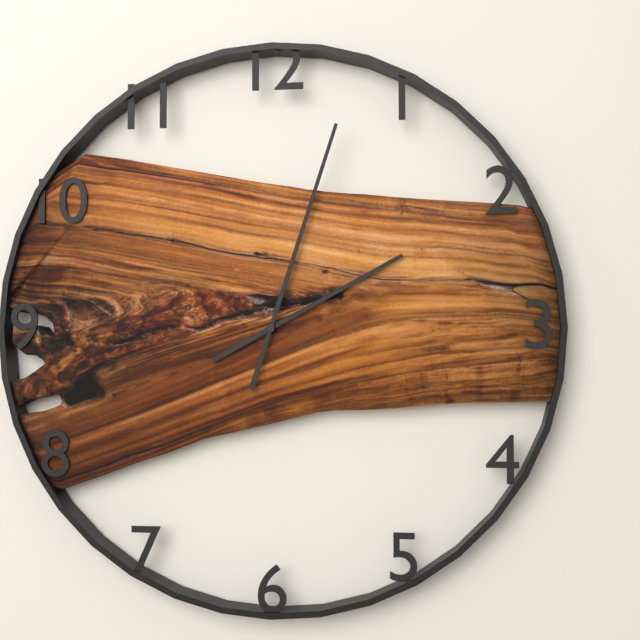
{"hour": 2, "minute": 3}
